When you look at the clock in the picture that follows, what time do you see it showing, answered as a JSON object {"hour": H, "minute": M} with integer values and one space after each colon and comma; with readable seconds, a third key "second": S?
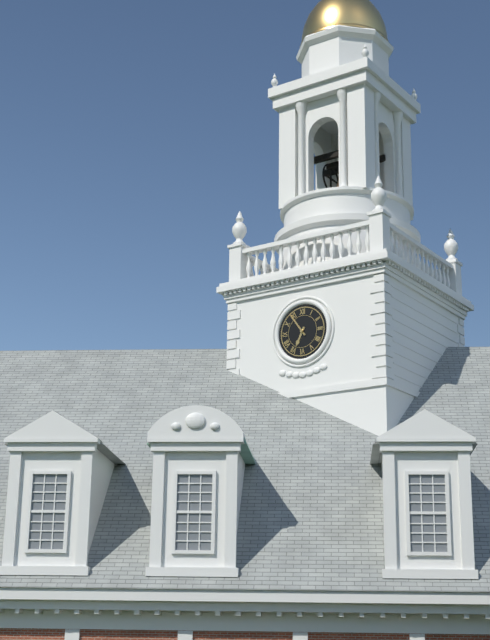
{"hour": 6, "minute": 54}
